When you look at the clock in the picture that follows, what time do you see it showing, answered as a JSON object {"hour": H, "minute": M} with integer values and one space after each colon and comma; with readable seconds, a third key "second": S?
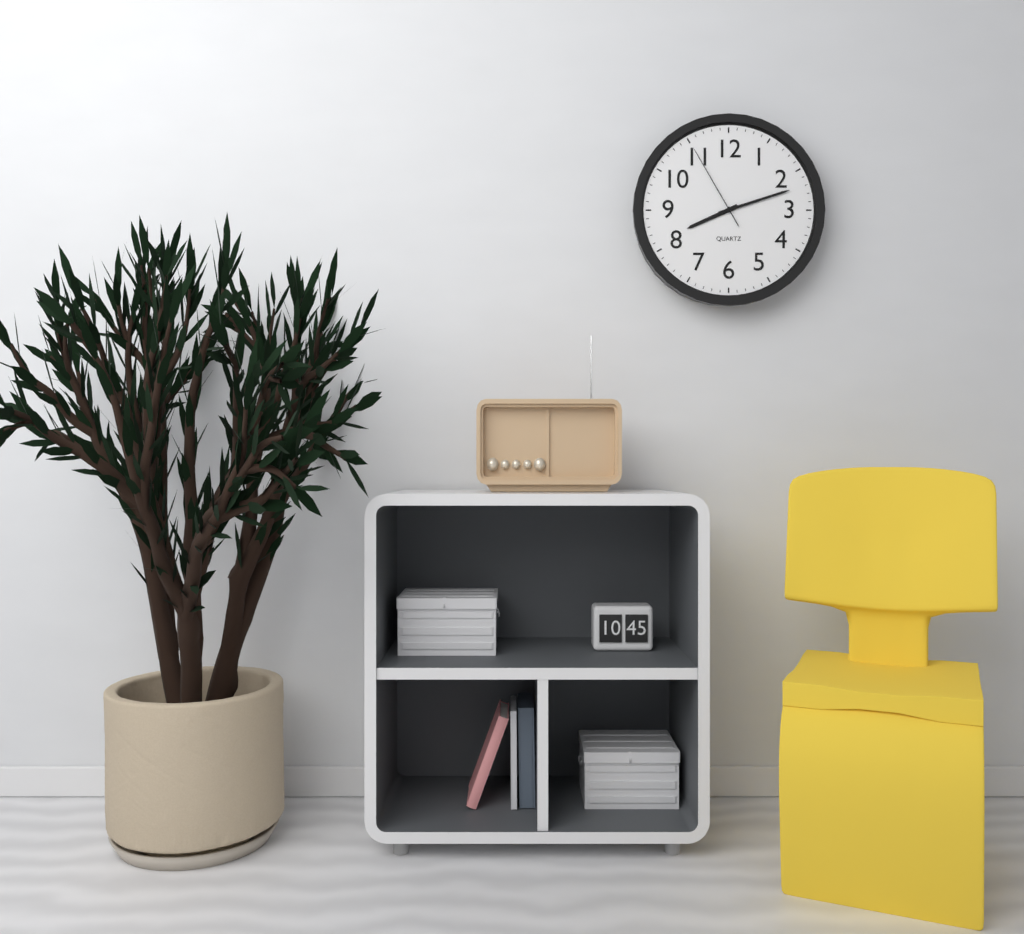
{"hour": 8, "minute": 12, "second": 55}
